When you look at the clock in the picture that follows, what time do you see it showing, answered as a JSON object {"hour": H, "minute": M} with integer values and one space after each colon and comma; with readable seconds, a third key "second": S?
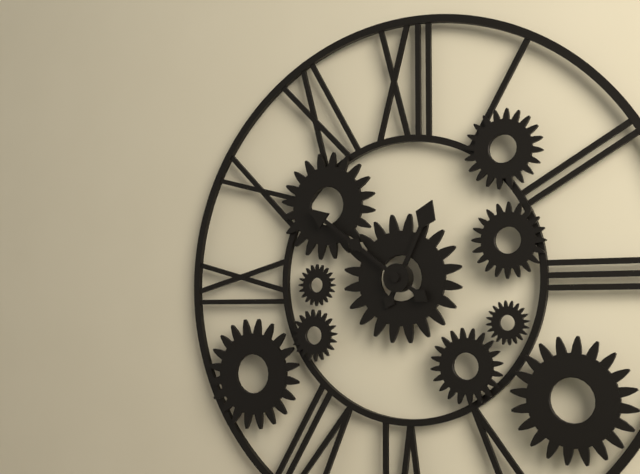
{"hour": 12, "minute": 51}
